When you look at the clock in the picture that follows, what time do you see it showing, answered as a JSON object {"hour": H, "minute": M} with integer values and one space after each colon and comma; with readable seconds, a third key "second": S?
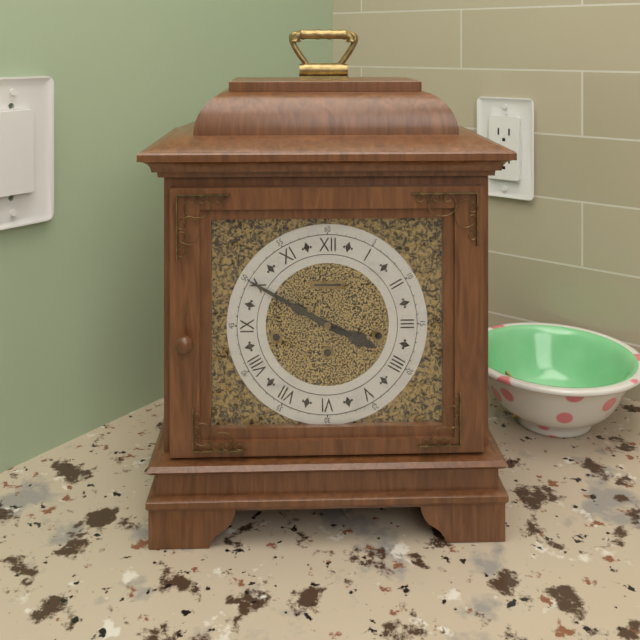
{"hour": 3, "minute": 50}
